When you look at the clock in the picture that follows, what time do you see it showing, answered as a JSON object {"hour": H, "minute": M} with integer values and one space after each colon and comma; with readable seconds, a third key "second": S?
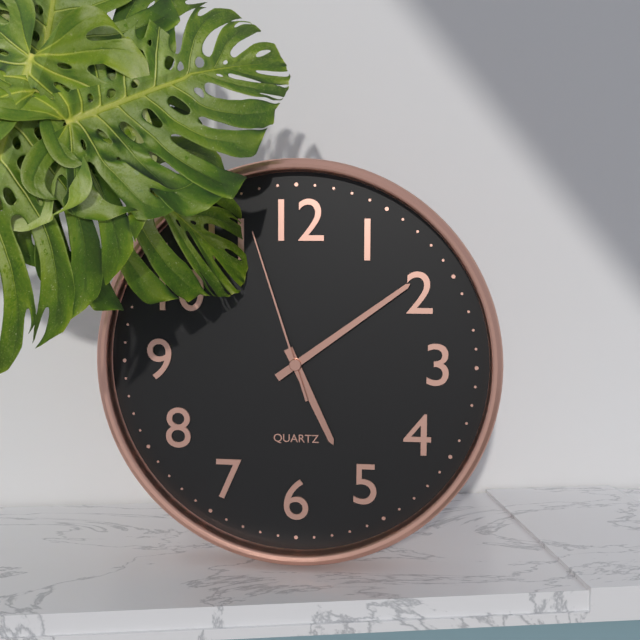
{"hour": 5, "minute": 9, "second": 57}
